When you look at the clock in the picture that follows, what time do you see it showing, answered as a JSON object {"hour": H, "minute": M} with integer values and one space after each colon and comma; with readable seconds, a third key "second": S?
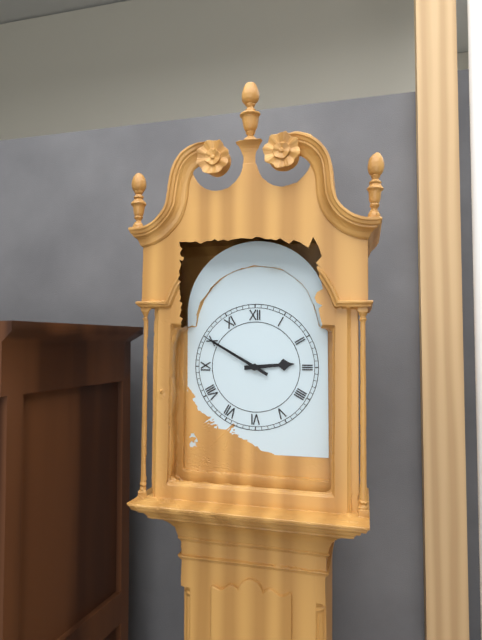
{"hour": 2, "minute": 50}
